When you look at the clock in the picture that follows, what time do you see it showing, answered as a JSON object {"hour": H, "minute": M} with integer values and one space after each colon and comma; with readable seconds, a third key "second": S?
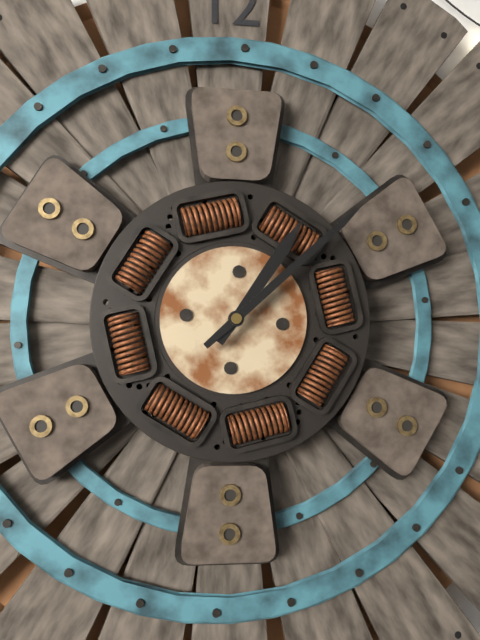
{"hour": 1, "minute": 8}
